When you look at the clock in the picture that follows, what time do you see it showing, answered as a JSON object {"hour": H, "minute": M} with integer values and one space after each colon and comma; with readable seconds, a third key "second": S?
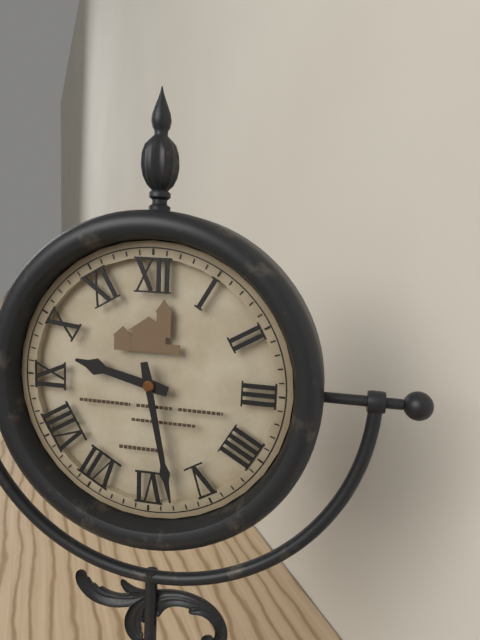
{"hour": 9, "minute": 28}
